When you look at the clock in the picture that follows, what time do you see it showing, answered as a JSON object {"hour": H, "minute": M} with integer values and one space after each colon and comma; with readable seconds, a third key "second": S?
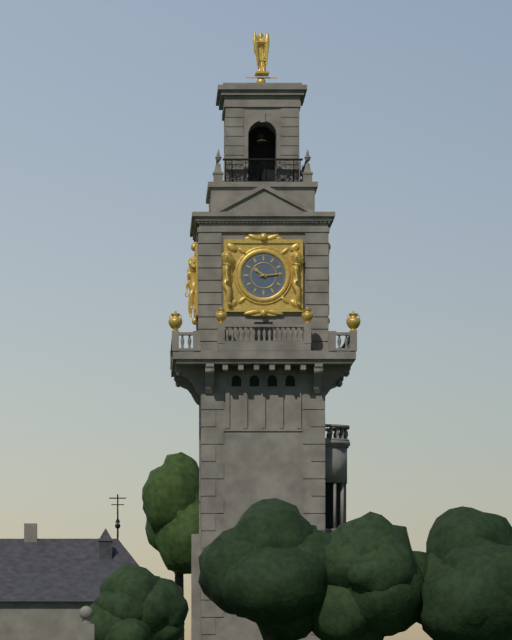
{"hour": 10, "minute": 14}
